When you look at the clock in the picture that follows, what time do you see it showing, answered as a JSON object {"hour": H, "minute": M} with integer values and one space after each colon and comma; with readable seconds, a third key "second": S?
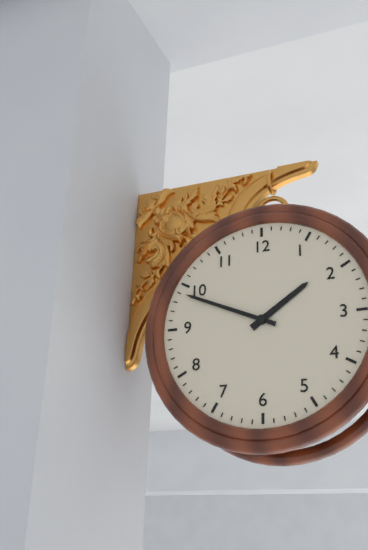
{"hour": 1, "minute": 49}
